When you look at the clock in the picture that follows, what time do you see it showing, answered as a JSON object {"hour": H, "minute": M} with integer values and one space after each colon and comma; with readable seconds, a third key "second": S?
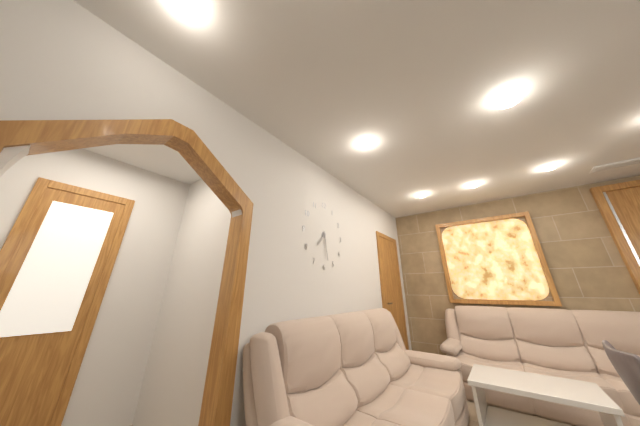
{"hour": 7, "minute": 28}
